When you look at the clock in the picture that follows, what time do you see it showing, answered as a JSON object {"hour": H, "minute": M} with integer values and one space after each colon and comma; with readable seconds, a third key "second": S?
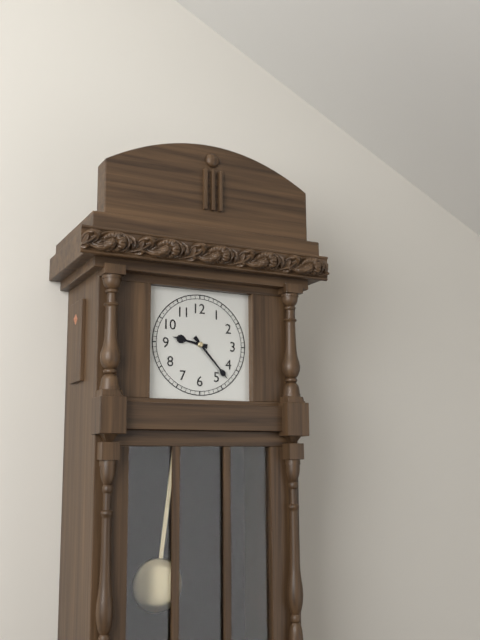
{"hour": 9, "minute": 23}
